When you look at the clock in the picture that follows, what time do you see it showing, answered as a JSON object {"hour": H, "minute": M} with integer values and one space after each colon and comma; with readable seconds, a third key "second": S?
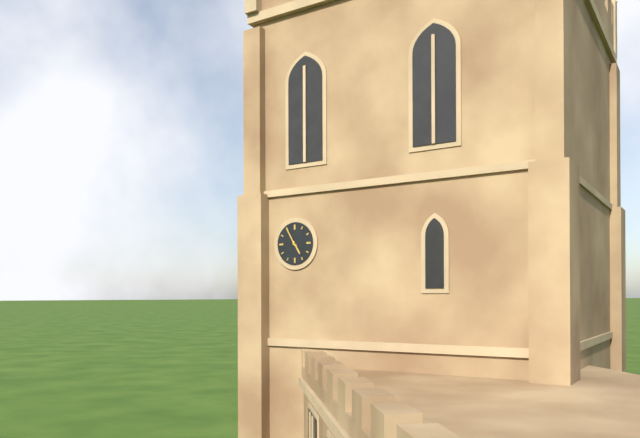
{"hour": 4, "minute": 55}
